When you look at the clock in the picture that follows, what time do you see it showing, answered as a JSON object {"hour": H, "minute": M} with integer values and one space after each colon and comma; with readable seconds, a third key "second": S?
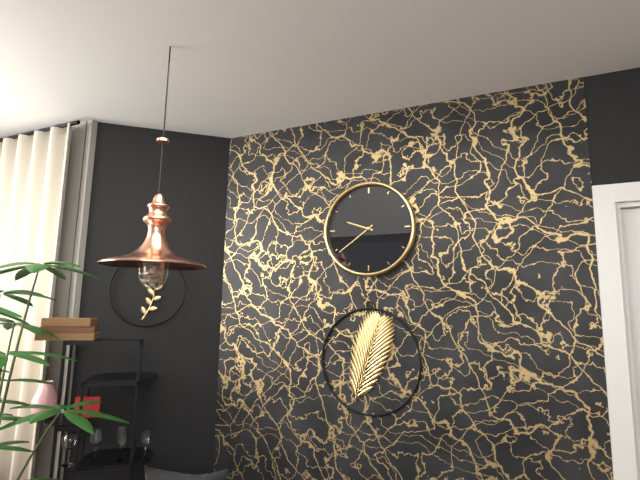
{"hour": 9, "minute": 39}
